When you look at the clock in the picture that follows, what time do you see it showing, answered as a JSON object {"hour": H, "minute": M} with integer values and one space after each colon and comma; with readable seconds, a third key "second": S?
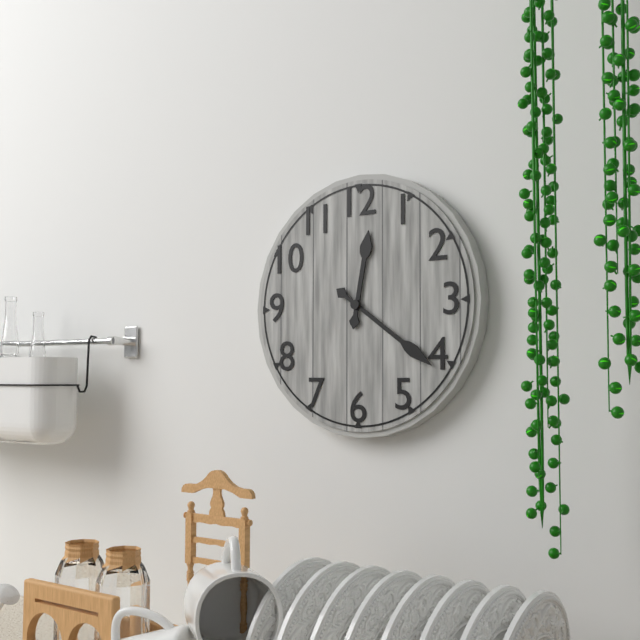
{"hour": 12, "minute": 21}
